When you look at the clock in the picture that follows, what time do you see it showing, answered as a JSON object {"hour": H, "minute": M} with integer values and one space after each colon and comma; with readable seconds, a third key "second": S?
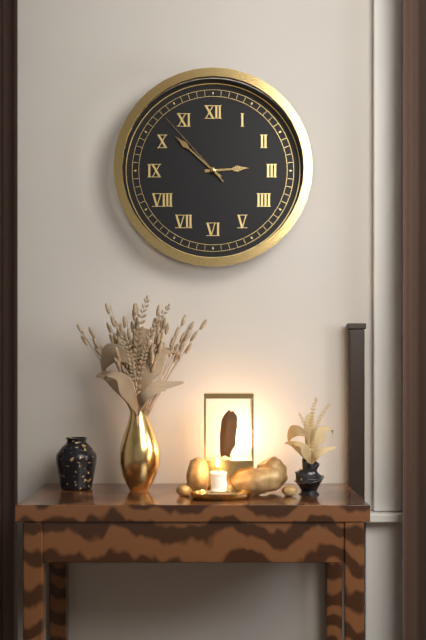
{"hour": 2, "minute": 52, "second": 53}
